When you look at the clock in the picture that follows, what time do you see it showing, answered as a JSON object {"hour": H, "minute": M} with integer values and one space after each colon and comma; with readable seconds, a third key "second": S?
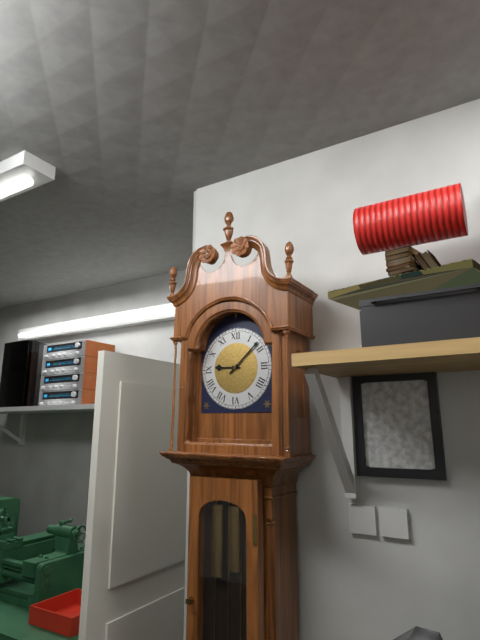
{"hour": 9, "minute": 8}
